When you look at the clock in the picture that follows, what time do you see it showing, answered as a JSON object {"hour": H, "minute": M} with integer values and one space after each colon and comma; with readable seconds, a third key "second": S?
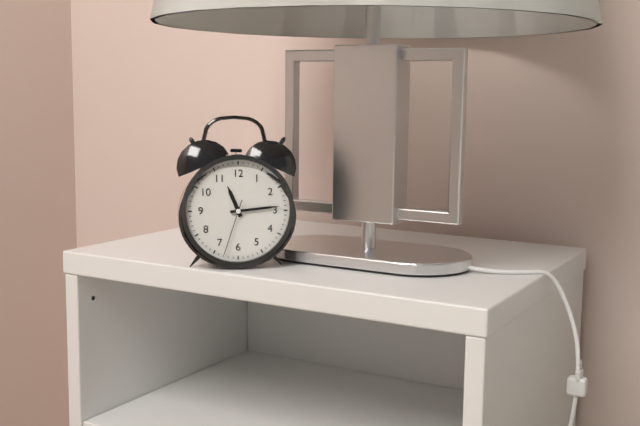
{"hour": 11, "minute": 14, "second": 33}
